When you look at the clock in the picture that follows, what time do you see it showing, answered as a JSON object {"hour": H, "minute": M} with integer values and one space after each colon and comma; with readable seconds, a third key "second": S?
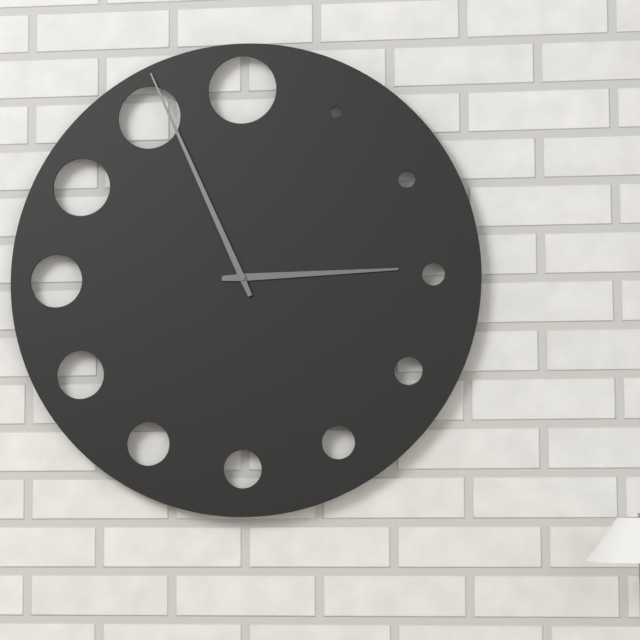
{"hour": 2, "minute": 56}
